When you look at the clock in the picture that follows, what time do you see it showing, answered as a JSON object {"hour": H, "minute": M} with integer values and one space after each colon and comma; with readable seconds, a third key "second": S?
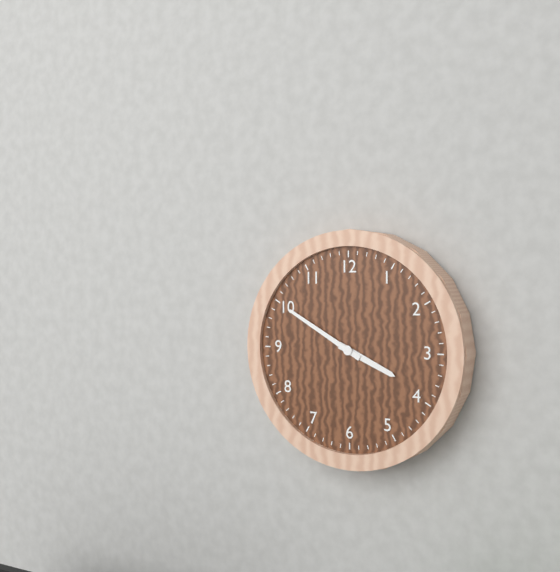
{"hour": 3, "minute": 50}
